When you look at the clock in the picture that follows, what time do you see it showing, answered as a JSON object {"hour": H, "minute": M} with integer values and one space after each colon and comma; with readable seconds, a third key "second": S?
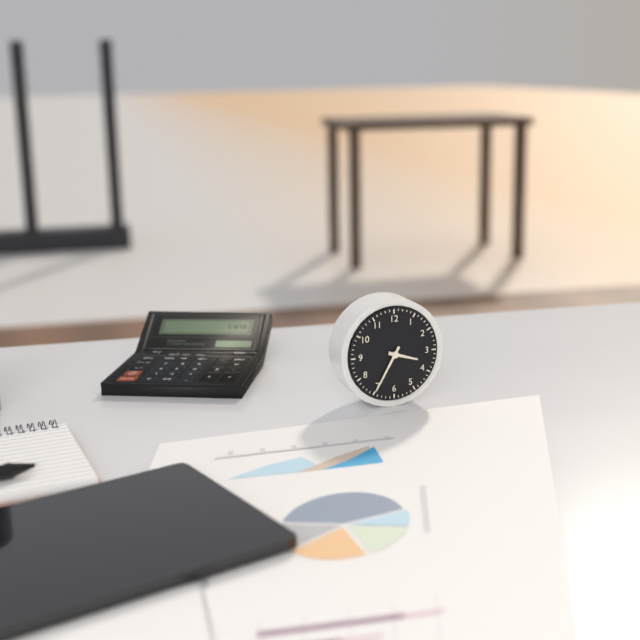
{"hour": 3, "minute": 35}
